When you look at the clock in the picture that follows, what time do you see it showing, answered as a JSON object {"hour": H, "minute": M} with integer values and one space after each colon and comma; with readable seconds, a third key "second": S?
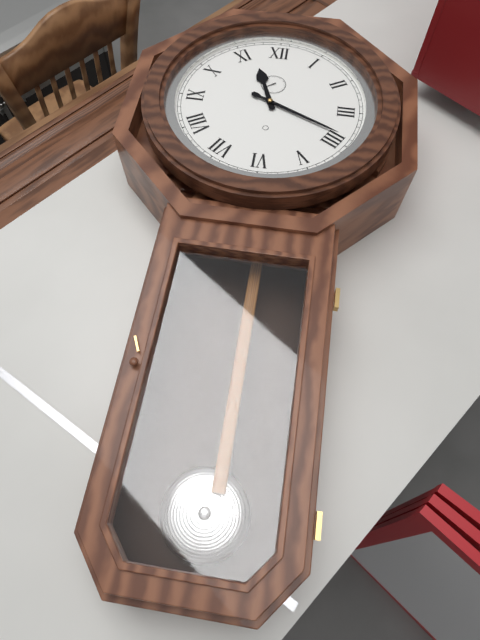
{"hour": 11, "minute": 19}
